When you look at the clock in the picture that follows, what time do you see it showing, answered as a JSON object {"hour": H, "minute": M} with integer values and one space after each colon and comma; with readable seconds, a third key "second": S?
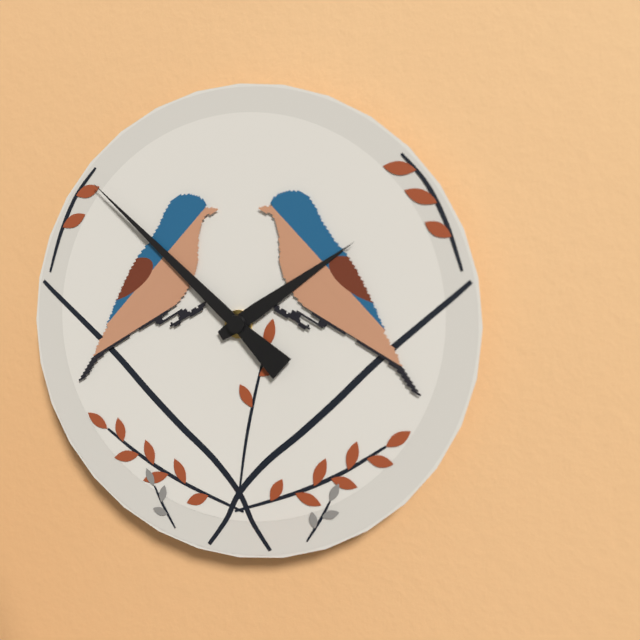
{"hour": 1, "minute": 52}
